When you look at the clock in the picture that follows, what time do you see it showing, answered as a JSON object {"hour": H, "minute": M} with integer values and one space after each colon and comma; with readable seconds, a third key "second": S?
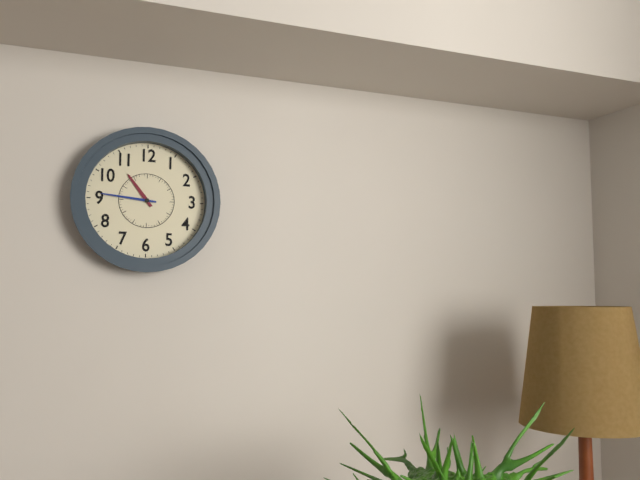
{"hour": 10, "minute": 46}
